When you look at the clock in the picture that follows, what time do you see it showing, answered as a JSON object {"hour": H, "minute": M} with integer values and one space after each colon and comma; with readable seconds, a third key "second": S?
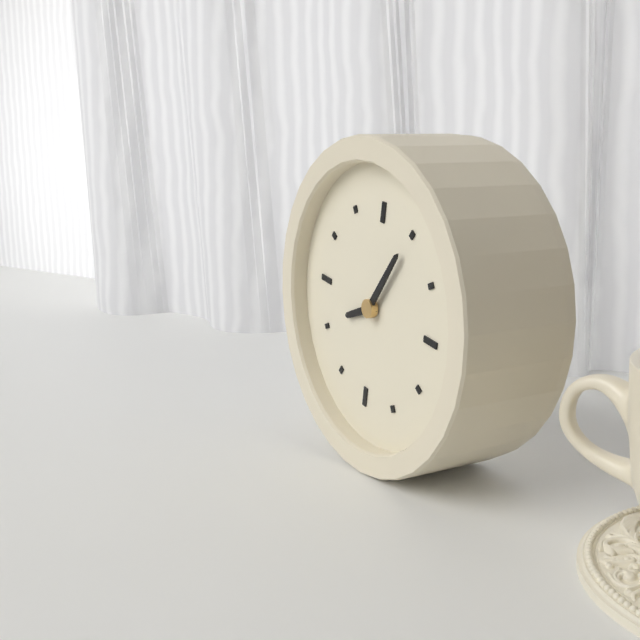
{"hour": 8, "minute": 5}
